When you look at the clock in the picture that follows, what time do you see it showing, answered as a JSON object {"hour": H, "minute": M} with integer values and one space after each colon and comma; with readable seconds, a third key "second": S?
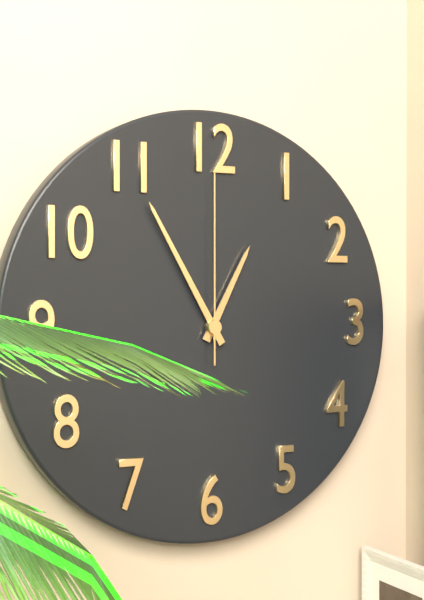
{"hour": 12, "minute": 55, "second": 0}
